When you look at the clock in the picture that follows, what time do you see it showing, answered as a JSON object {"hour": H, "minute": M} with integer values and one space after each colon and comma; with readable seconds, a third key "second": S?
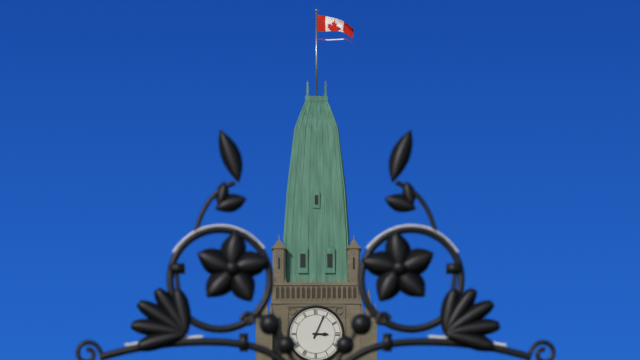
{"hour": 3, "minute": 4}
